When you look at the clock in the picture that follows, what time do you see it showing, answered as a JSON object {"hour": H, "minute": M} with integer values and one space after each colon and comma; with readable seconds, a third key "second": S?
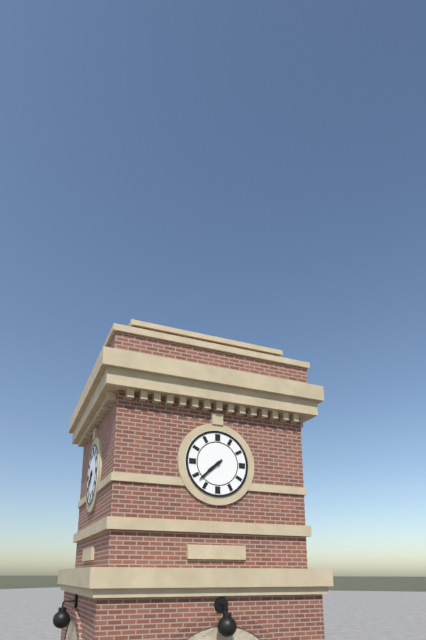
{"hour": 7, "minute": 38}
